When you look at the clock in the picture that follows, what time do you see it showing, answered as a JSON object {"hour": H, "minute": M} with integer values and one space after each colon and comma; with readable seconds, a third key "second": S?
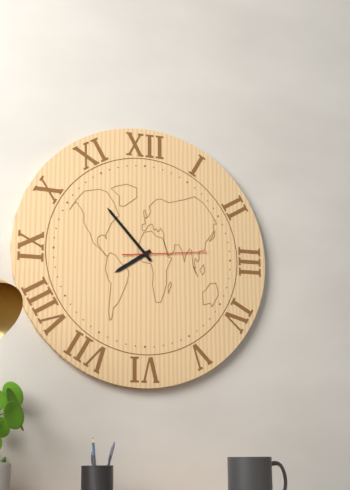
{"hour": 7, "minute": 53, "second": 14}
